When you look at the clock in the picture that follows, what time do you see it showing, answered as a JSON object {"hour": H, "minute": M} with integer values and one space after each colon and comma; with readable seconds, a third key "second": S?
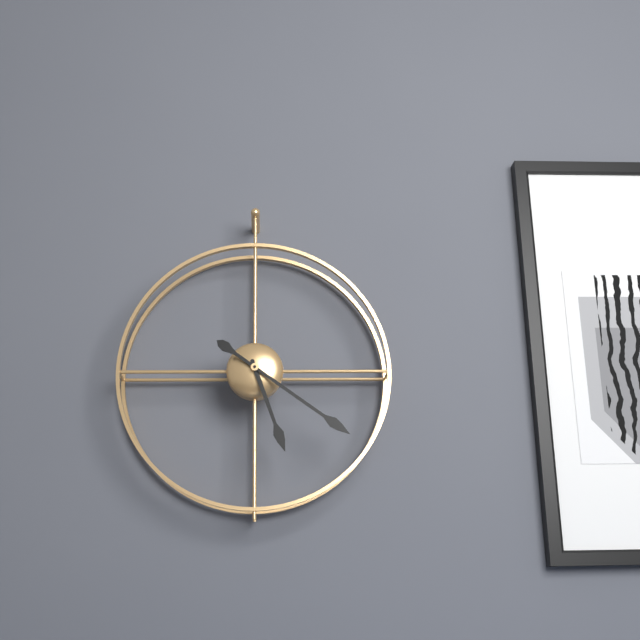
{"hour": 5, "minute": 21}
